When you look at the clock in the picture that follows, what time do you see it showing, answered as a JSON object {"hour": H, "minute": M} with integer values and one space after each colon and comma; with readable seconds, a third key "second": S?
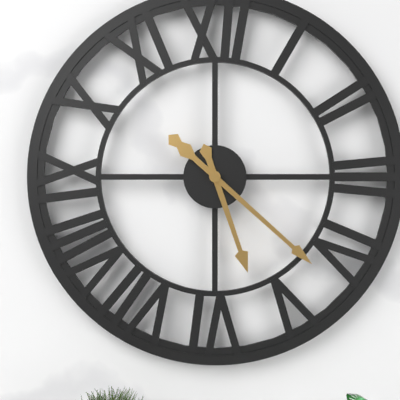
{"hour": 5, "minute": 22}
